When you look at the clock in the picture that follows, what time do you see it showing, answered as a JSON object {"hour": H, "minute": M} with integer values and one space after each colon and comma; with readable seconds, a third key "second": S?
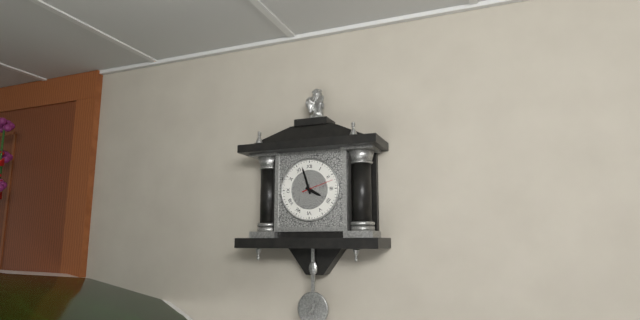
{"hour": 3, "minute": 57}
